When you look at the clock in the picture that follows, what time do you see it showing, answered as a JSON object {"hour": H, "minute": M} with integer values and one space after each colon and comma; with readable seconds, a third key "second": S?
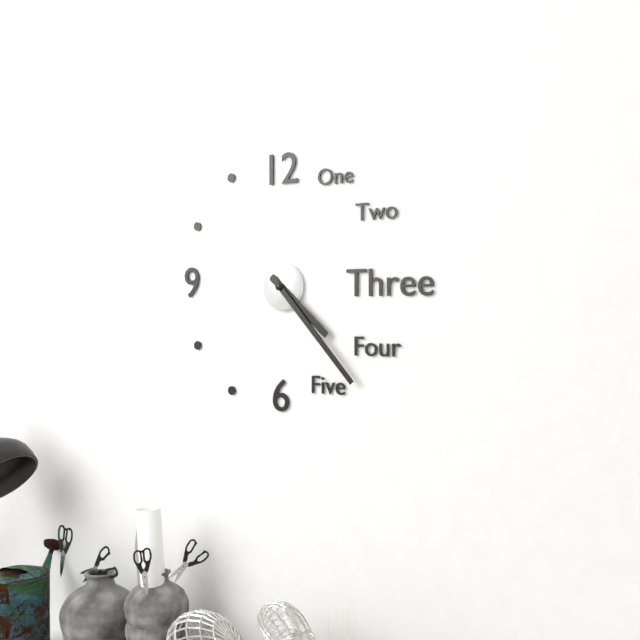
{"hour": 4, "minute": 23}
